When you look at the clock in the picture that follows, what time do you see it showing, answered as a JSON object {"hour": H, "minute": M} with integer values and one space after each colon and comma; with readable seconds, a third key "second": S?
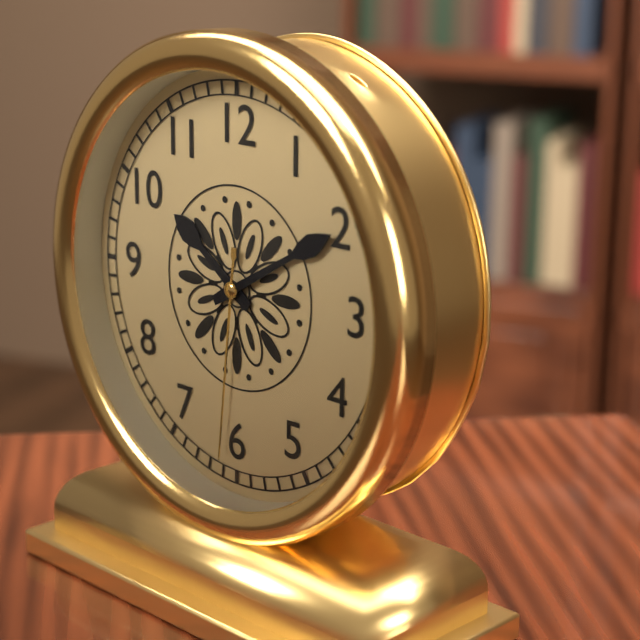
{"hour": 10, "minute": 10, "second": 31}
